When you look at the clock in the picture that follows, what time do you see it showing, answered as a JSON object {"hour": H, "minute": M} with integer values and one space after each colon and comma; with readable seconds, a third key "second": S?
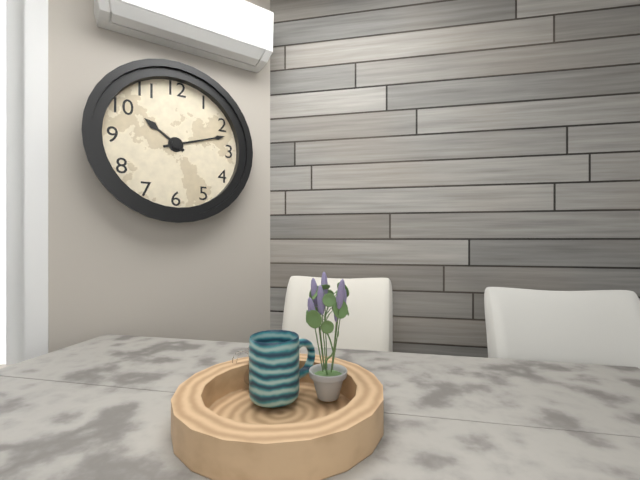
{"hour": 10, "minute": 12}
